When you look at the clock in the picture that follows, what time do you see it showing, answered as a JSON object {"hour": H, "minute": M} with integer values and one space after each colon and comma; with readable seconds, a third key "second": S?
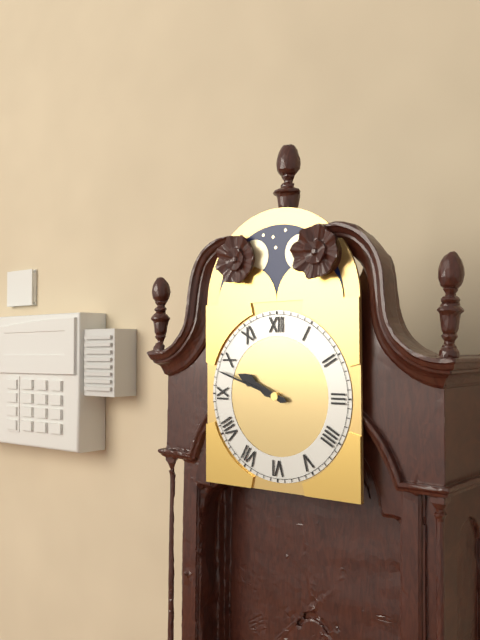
{"hour": 9, "minute": 48}
